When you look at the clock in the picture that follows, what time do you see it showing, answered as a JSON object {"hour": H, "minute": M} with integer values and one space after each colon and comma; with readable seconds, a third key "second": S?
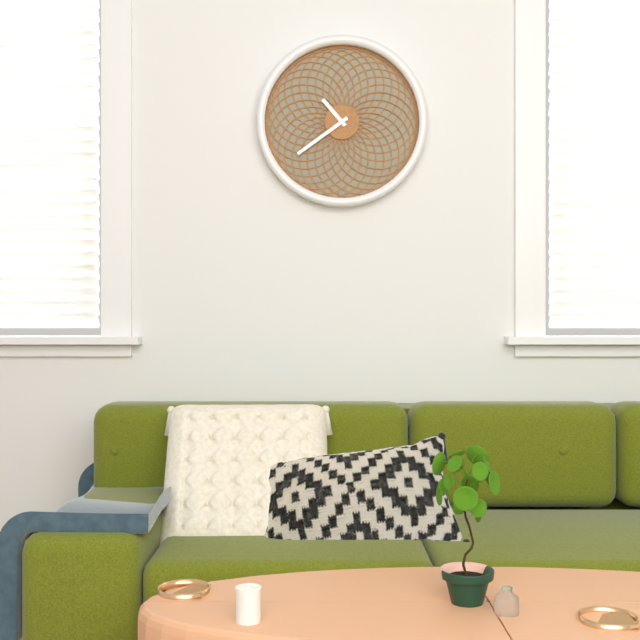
{"hour": 10, "minute": 39}
